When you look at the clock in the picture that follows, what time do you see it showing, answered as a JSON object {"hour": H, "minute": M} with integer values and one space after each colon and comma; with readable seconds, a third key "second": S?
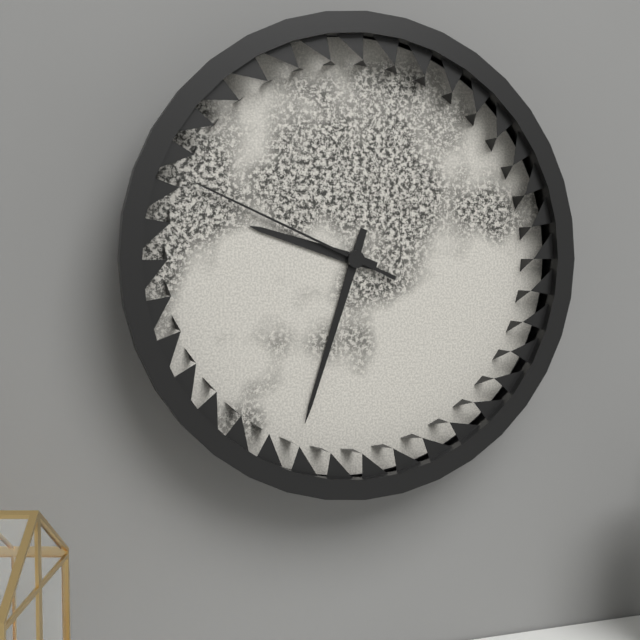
{"hour": 9, "minute": 33, "second": 49}
